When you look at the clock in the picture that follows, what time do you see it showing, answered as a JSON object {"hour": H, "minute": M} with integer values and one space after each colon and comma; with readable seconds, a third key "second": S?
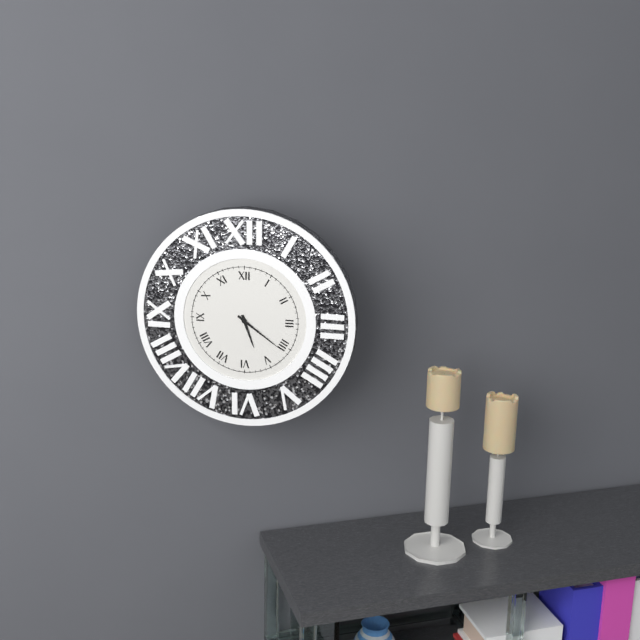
{"hour": 5, "minute": 21}
